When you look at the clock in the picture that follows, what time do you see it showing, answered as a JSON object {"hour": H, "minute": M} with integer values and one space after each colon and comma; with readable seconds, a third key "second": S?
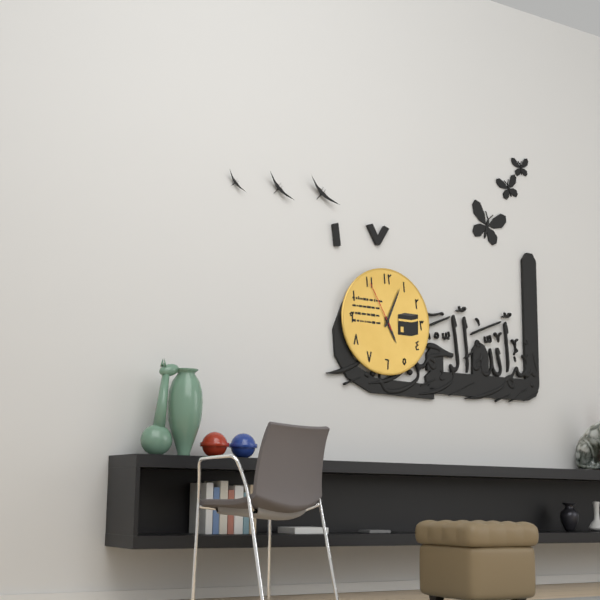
{"hour": 5, "minute": 4, "second": 55}
